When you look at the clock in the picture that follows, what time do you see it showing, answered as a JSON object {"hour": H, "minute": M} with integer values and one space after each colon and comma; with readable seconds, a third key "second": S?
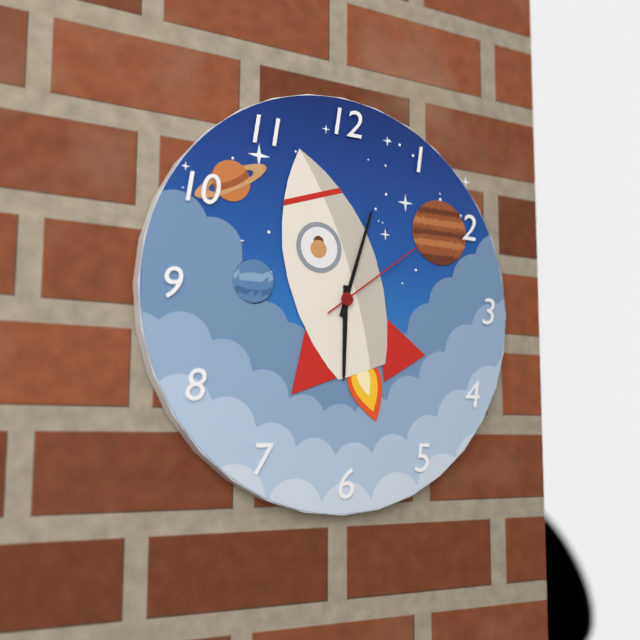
{"hour": 6, "minute": 3, "second": 9}
